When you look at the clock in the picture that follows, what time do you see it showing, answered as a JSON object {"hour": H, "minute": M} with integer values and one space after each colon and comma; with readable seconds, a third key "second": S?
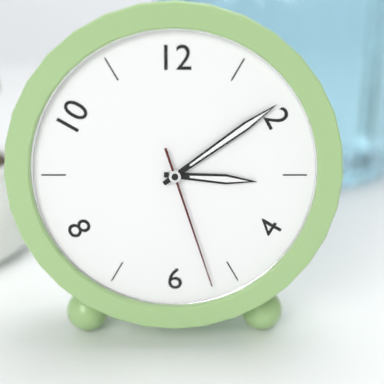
{"hour": 3, "minute": 9, "second": 27}
